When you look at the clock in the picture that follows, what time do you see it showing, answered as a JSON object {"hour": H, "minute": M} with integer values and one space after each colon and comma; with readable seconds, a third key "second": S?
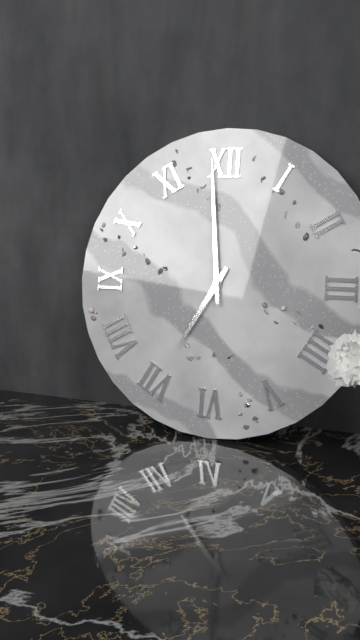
{"hour": 6, "minute": 59}
